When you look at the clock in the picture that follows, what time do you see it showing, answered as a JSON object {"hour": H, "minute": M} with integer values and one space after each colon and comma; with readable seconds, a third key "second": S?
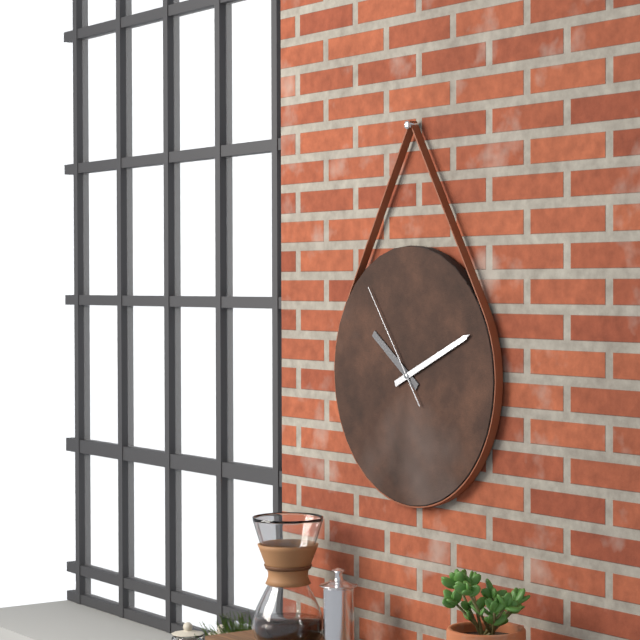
{"hour": 10, "minute": 11, "second": 54}
